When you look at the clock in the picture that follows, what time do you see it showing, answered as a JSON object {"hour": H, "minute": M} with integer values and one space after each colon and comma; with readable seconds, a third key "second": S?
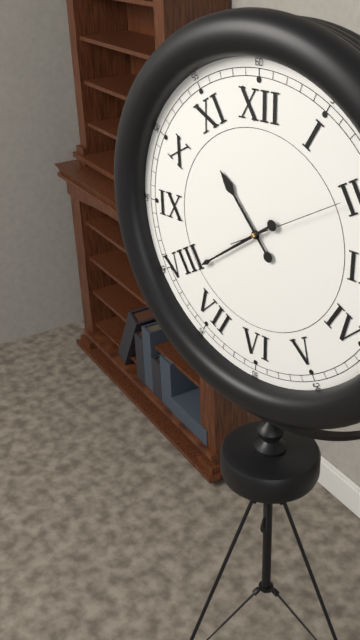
{"hour": 10, "minute": 39, "second": 10}
